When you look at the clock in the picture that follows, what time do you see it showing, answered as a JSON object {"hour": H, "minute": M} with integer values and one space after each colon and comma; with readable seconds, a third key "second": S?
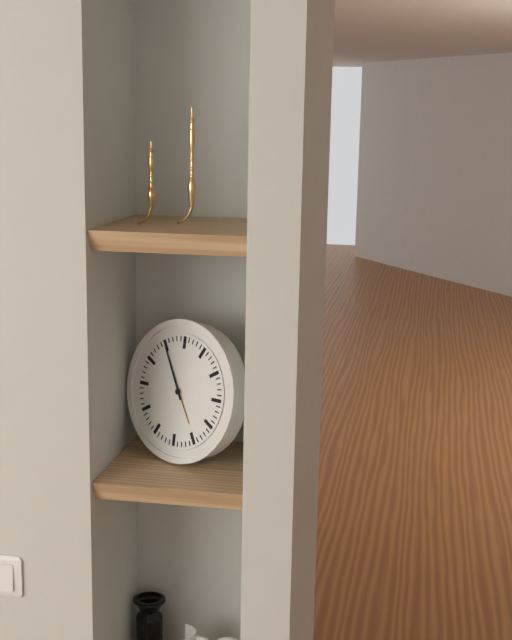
{"hour": 4, "minute": 55}
